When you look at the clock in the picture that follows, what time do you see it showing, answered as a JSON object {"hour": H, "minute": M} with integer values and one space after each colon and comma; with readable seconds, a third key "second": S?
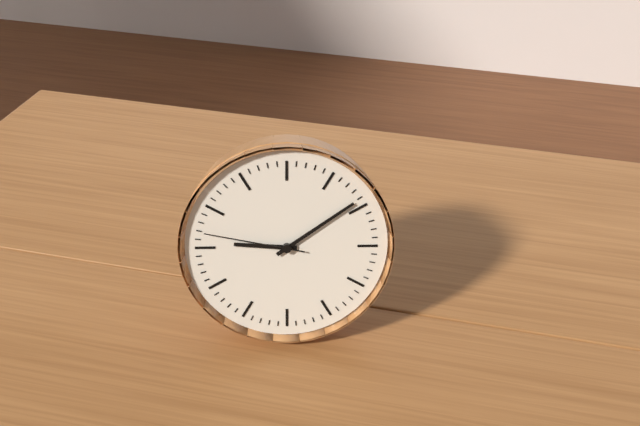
{"hour": 9, "minute": 9, "second": 47}
